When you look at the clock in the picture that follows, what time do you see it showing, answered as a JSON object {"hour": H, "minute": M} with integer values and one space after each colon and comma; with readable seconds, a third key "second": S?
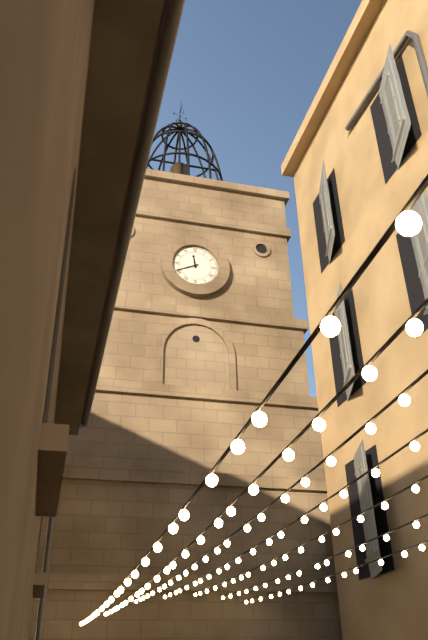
{"hour": 11, "minute": 41}
